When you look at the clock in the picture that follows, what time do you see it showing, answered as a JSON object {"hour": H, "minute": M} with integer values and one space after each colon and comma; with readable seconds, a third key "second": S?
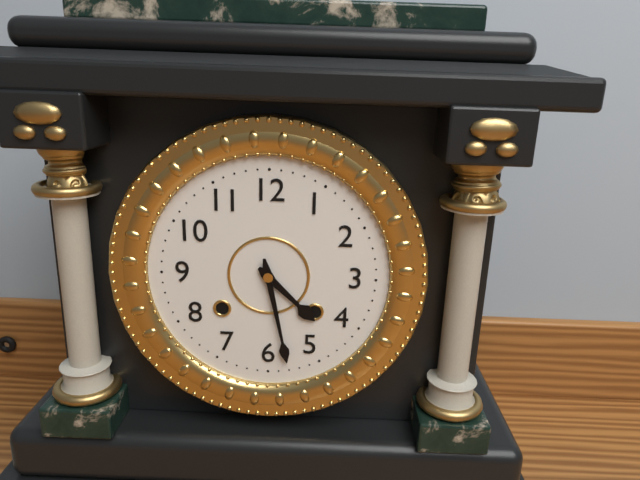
{"hour": 4, "minute": 28}
